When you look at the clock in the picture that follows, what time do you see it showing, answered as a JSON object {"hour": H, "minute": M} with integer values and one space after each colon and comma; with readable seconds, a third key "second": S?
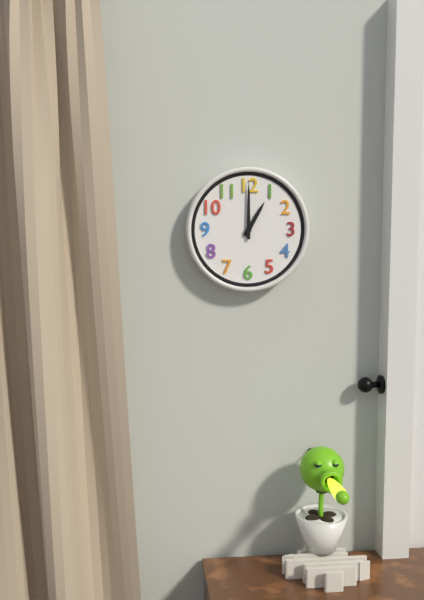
{"hour": 1, "minute": 0}
